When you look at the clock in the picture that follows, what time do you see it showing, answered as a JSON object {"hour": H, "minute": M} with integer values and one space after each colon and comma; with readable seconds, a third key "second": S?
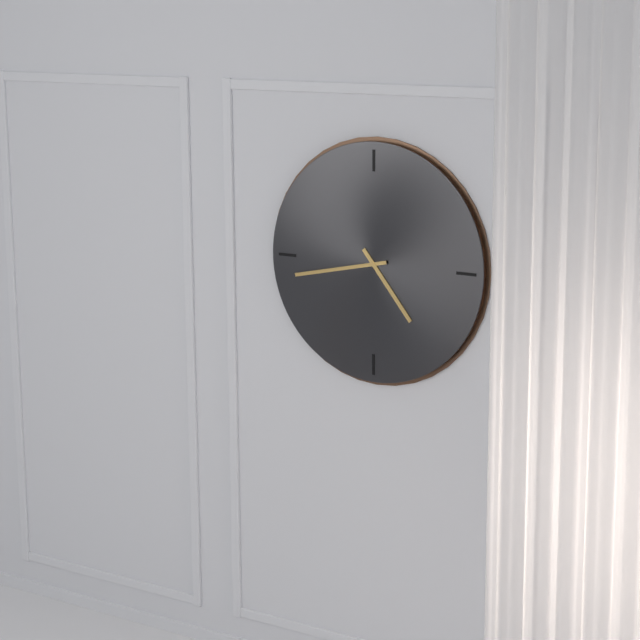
{"hour": 4, "minute": 43}
